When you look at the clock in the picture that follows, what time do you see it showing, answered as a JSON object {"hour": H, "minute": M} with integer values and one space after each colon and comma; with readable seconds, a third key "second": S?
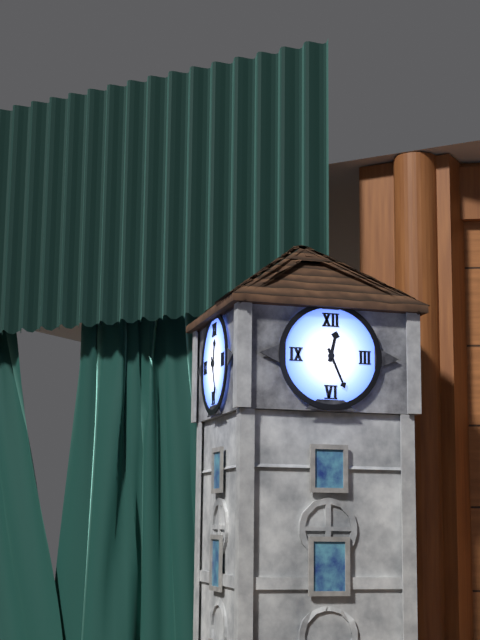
{"hour": 12, "minute": 26}
